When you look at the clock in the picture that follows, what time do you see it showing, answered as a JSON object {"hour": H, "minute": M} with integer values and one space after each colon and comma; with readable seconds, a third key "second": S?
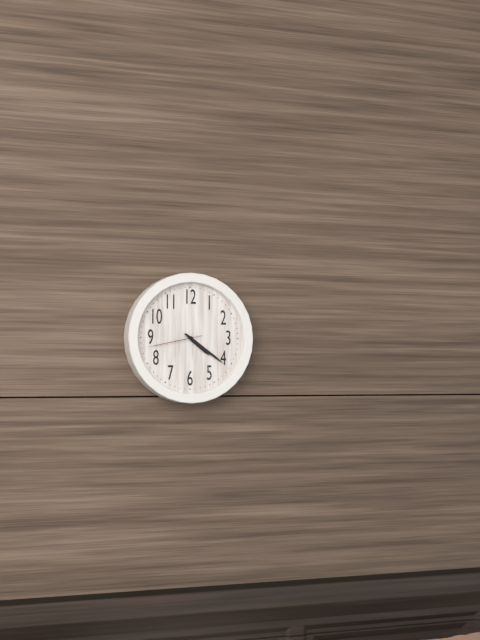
{"hour": 4, "minute": 21, "second": 43}
